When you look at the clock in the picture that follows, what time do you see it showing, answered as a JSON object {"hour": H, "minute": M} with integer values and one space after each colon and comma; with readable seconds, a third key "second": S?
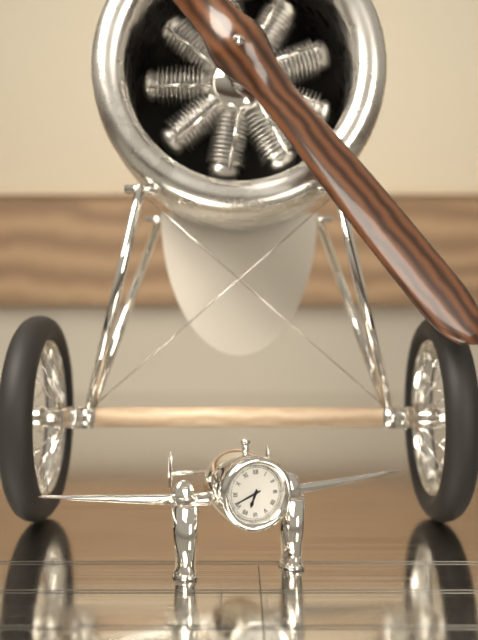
{"hour": 6, "minute": 41}
